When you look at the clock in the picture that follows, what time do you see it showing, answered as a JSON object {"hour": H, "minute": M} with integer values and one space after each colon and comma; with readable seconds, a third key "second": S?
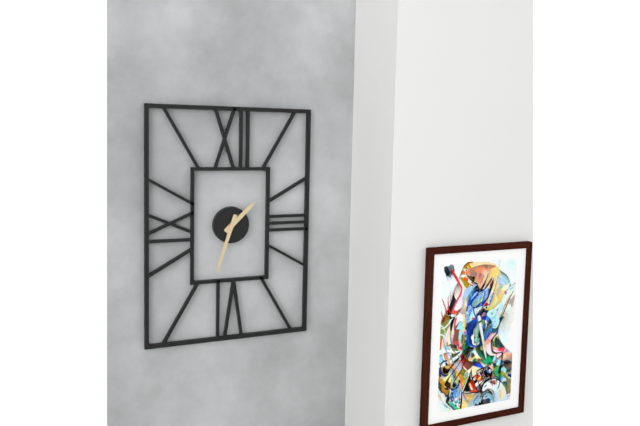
{"hour": 1, "minute": 33}
